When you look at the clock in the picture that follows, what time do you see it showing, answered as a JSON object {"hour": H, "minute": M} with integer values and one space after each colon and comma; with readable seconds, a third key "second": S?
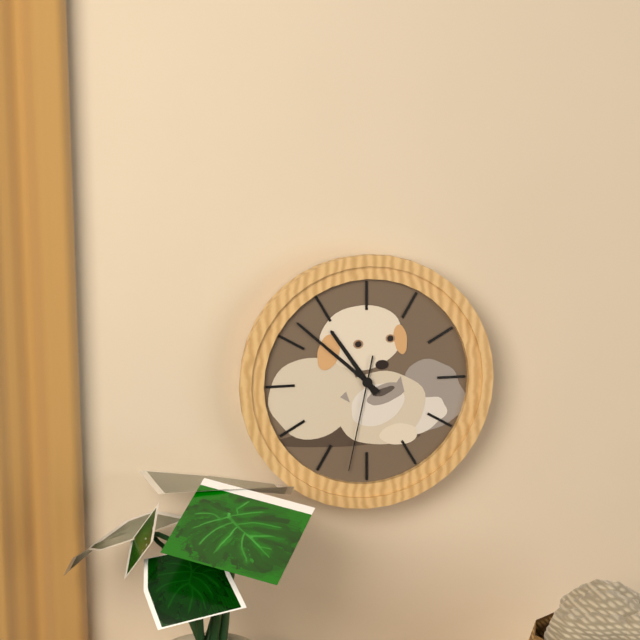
{"hour": 10, "minute": 52, "second": 32}
